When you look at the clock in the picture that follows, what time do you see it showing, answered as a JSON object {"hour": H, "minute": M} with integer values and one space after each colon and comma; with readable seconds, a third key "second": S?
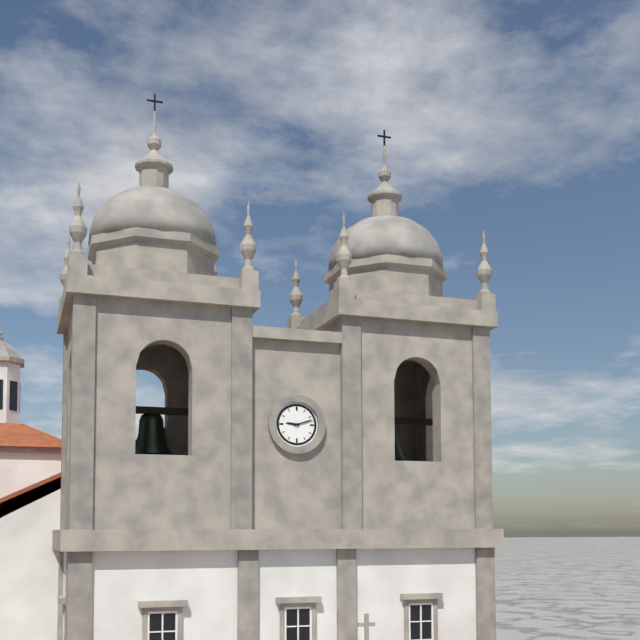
{"hour": 9, "minute": 12}
